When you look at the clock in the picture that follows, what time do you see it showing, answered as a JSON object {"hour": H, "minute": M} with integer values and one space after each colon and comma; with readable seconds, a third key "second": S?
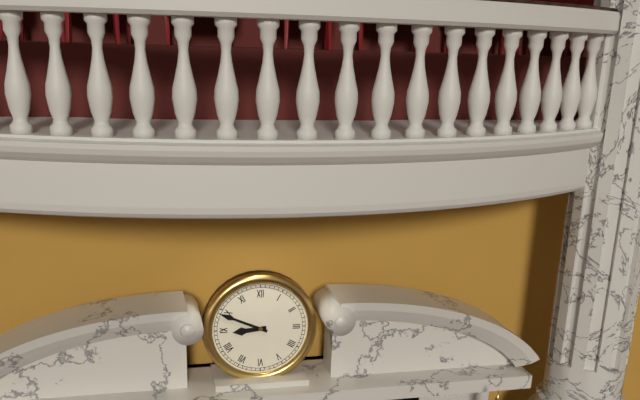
{"hour": 8, "minute": 49}
